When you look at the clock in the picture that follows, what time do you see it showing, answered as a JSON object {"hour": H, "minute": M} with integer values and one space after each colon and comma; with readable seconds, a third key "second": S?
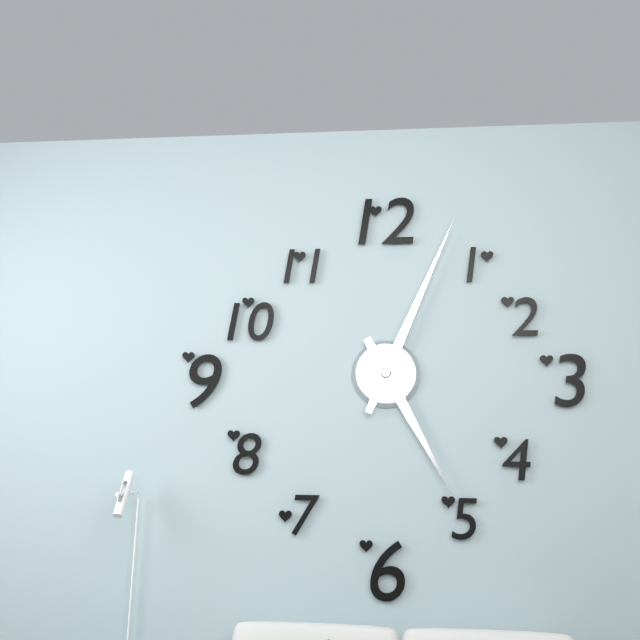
{"hour": 5, "minute": 4}
